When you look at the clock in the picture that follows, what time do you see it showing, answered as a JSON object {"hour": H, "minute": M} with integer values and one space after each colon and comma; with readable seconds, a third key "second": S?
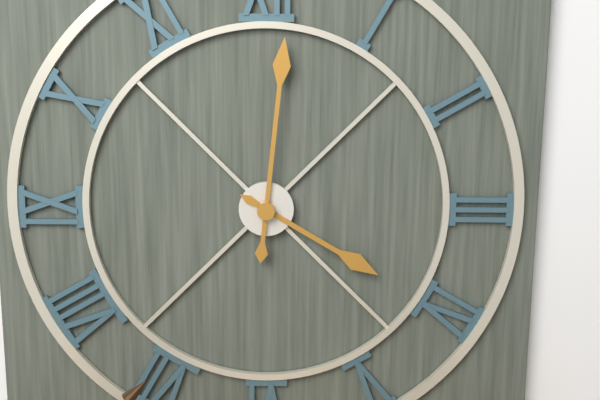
{"hour": 4, "minute": 1}
